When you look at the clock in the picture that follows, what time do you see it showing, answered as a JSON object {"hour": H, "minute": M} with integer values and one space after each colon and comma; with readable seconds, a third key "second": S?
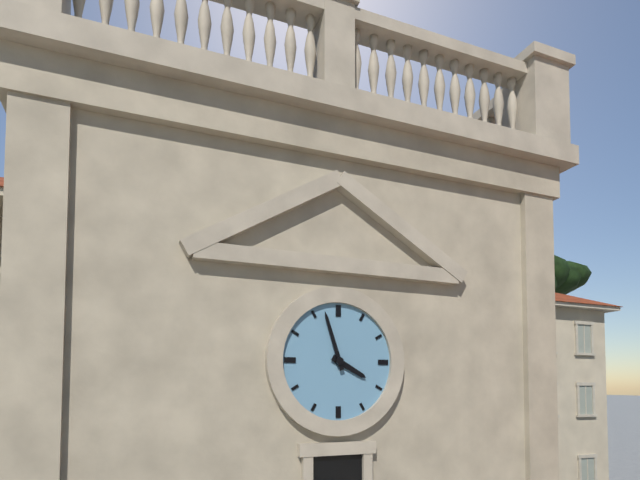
{"hour": 3, "minute": 57}
